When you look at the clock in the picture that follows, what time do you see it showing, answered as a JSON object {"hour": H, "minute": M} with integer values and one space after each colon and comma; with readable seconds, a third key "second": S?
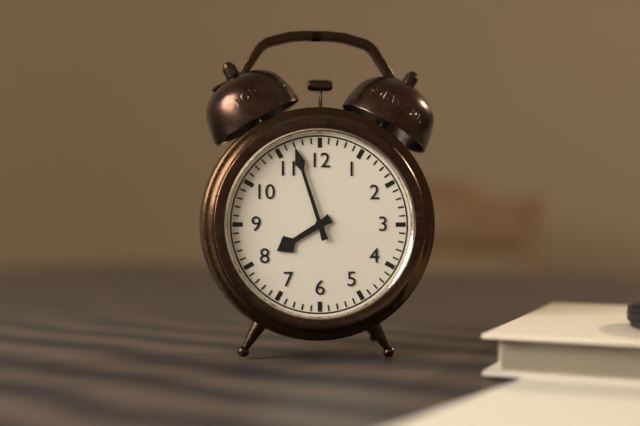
{"hour": 7, "minute": 57}
